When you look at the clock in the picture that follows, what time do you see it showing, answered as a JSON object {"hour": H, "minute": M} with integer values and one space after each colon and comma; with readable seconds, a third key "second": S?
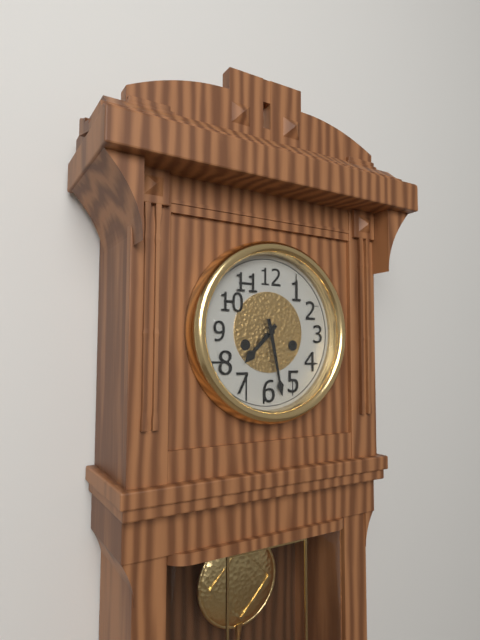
{"hour": 7, "minute": 28}
